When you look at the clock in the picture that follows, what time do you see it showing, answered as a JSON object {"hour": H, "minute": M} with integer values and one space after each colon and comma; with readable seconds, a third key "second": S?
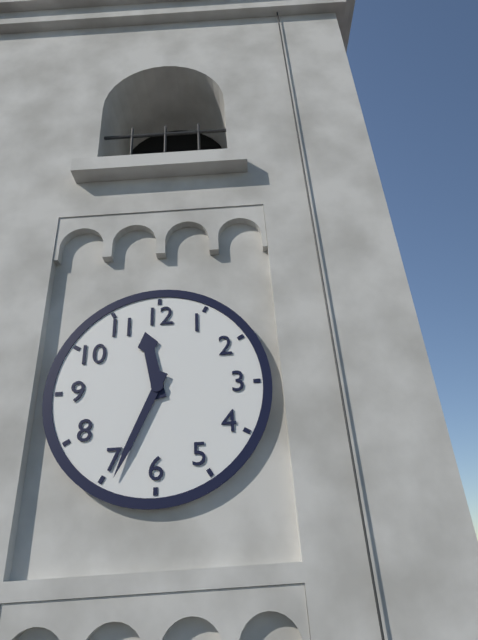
{"hour": 11, "minute": 34}
